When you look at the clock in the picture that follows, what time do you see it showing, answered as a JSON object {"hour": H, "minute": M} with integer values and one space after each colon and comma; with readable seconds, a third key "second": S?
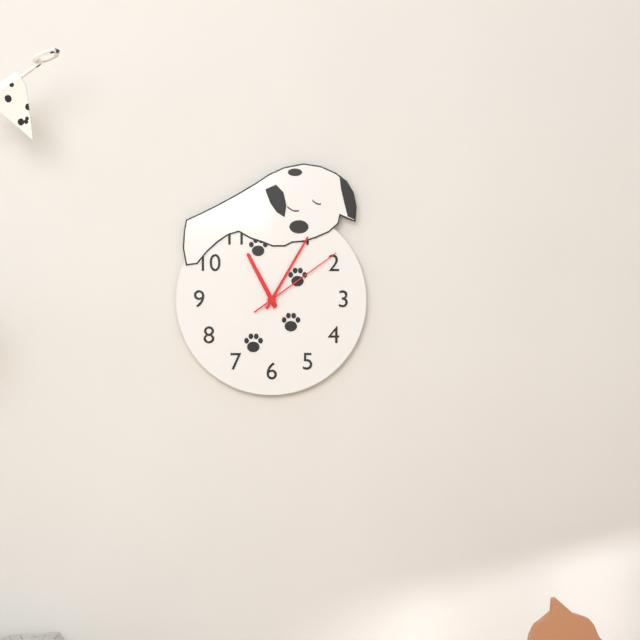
{"hour": 11, "minute": 5, "second": 9}
